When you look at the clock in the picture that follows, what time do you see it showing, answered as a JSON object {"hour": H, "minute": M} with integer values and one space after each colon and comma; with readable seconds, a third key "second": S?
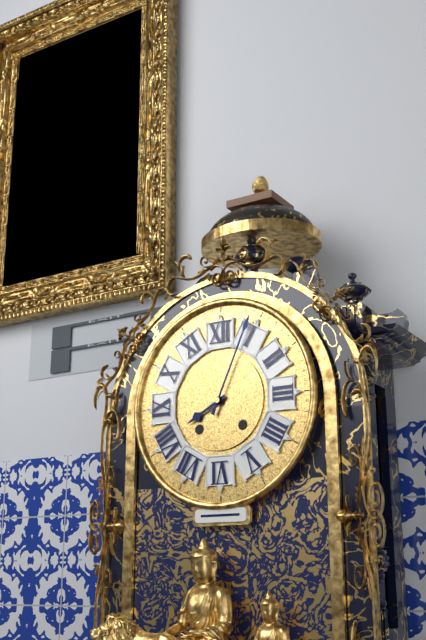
{"hour": 8, "minute": 4}
